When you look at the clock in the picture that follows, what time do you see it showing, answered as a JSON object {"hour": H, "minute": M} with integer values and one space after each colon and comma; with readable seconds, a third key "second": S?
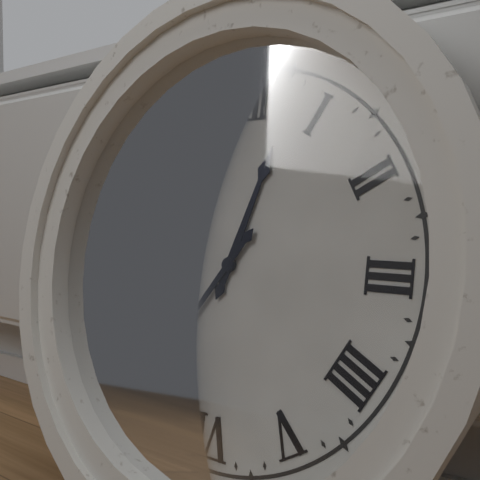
{"hour": 12, "minute": 36}
